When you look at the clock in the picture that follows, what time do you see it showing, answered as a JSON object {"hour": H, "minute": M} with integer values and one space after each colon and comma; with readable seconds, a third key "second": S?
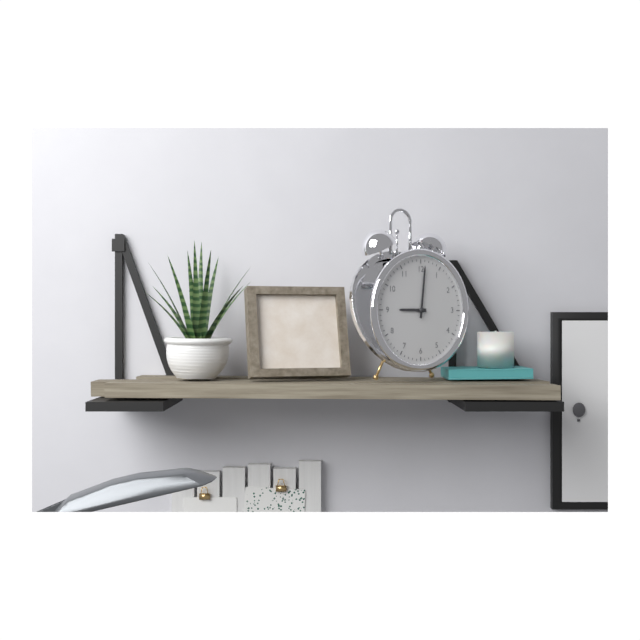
{"hour": 9, "minute": 1}
